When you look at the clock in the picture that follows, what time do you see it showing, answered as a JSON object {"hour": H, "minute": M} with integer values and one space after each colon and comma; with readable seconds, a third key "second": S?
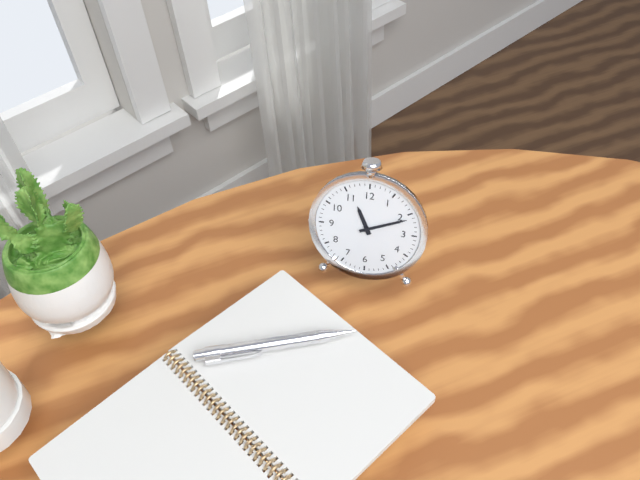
{"hour": 11, "minute": 11}
